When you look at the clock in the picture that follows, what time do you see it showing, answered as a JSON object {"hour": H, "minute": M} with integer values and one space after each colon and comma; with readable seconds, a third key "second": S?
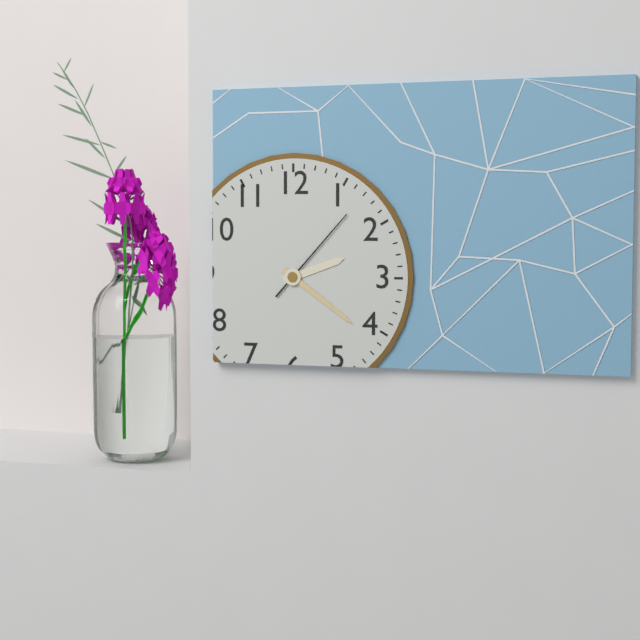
{"hour": 2, "minute": 21, "second": 7}
